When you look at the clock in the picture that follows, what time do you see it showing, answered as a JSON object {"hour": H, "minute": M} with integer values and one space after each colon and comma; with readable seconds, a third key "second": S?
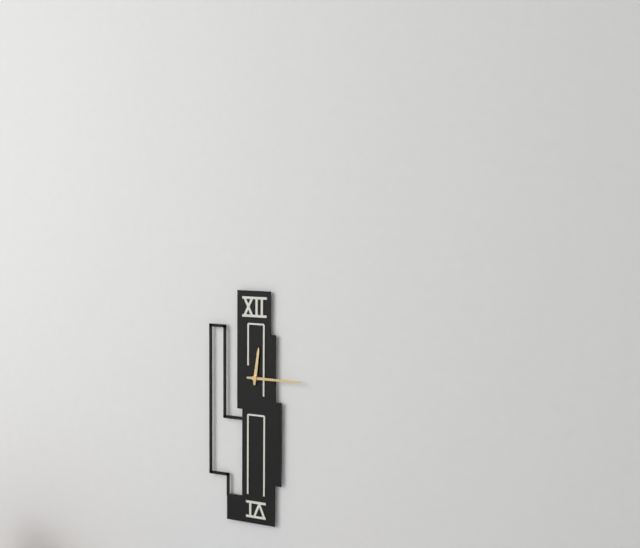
{"hour": 12, "minute": 15}
